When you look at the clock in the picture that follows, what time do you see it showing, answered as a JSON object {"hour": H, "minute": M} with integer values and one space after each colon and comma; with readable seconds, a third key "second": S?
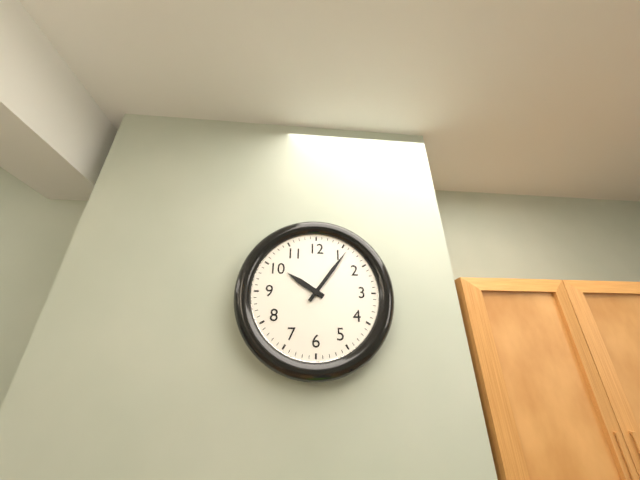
{"hour": 10, "minute": 6}
